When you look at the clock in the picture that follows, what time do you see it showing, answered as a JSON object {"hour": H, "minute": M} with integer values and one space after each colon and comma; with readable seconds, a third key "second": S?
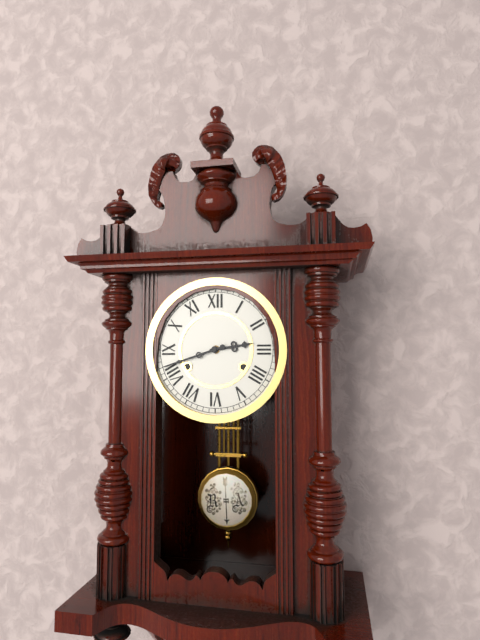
{"hour": 2, "minute": 42}
